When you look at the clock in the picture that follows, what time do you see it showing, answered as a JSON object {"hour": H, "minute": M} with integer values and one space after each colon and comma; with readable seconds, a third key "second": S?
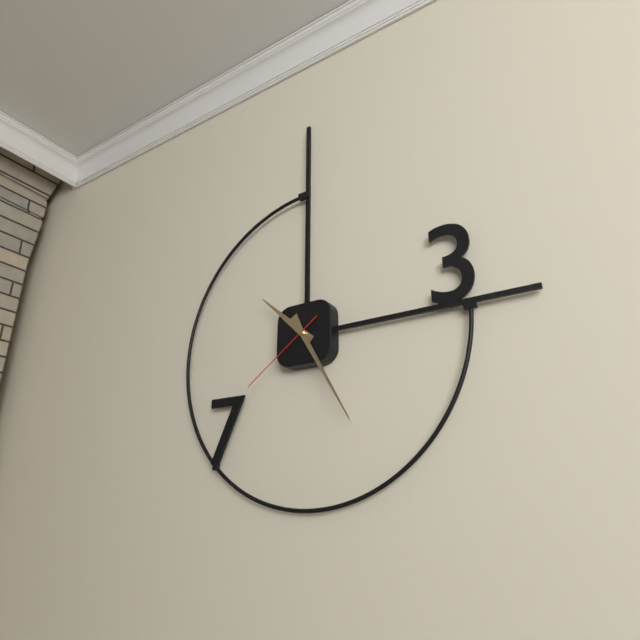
{"hour": 10, "minute": 25, "second": 39}
